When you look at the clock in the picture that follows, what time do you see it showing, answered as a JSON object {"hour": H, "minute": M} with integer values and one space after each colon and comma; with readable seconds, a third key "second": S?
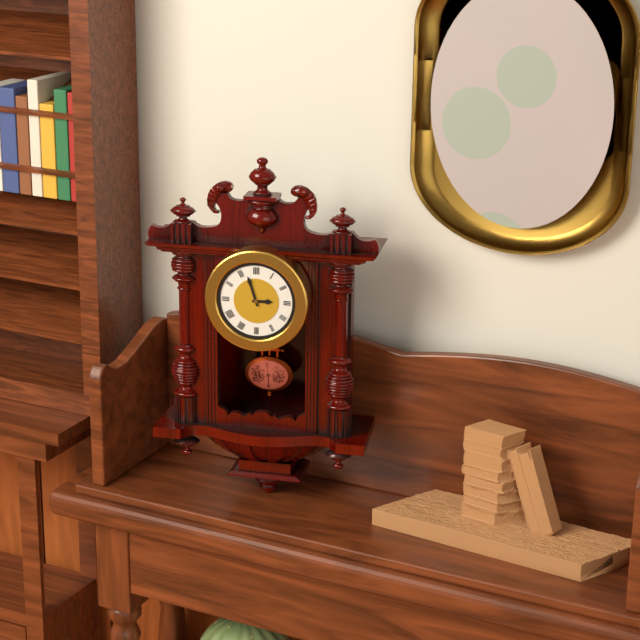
{"hour": 2, "minute": 57}
